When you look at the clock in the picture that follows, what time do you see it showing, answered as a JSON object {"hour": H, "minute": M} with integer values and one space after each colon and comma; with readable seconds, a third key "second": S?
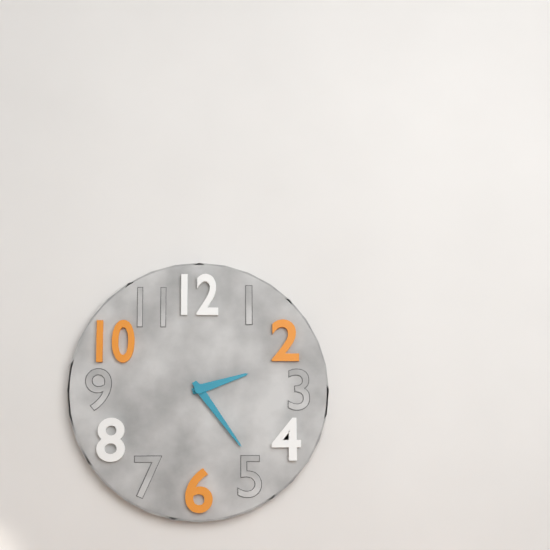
{"hour": 2, "minute": 24}
